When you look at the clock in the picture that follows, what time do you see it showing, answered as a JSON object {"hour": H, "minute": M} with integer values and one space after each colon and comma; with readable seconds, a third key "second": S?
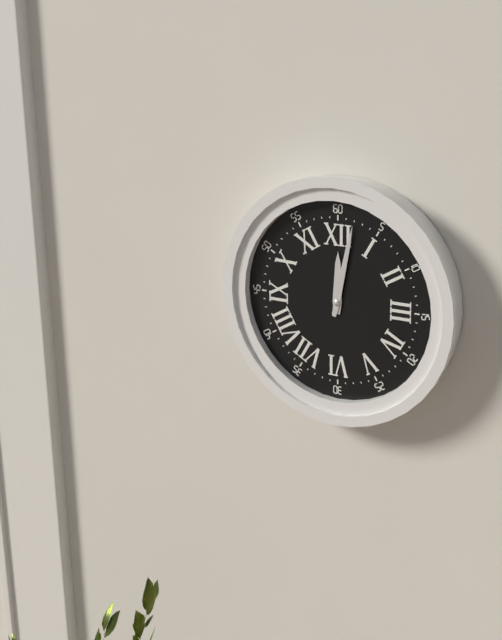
{"hour": 12, "minute": 2}
